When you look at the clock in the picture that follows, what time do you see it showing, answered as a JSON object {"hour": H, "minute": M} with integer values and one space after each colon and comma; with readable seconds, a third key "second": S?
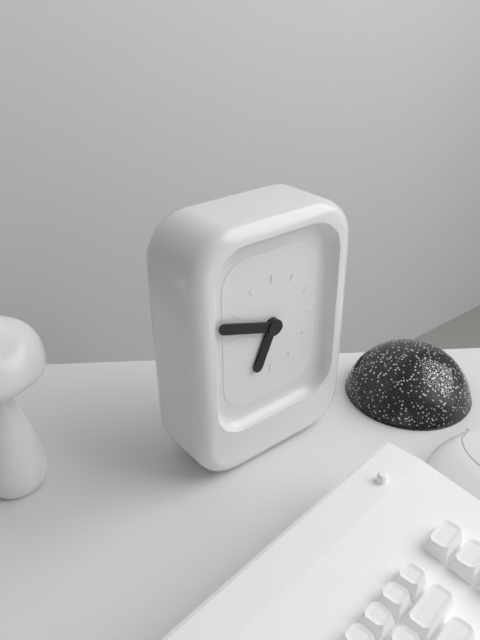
{"hour": 6, "minute": 48}
